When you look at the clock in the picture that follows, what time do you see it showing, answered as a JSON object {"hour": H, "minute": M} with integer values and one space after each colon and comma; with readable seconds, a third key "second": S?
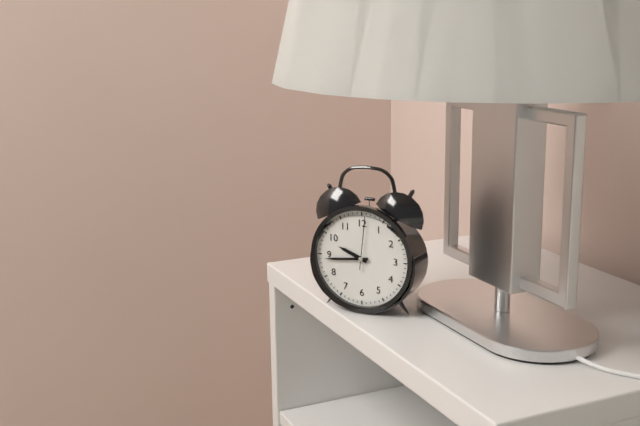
{"hour": 9, "minute": 44, "second": 1}
